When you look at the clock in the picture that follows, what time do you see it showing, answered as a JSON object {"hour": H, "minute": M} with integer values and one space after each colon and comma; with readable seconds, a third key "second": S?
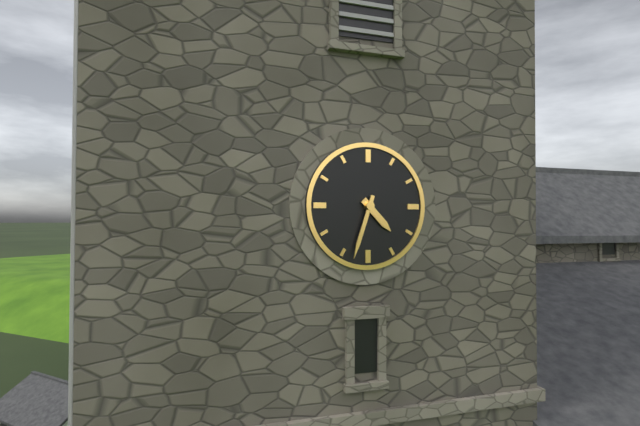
{"hour": 4, "minute": 33}
